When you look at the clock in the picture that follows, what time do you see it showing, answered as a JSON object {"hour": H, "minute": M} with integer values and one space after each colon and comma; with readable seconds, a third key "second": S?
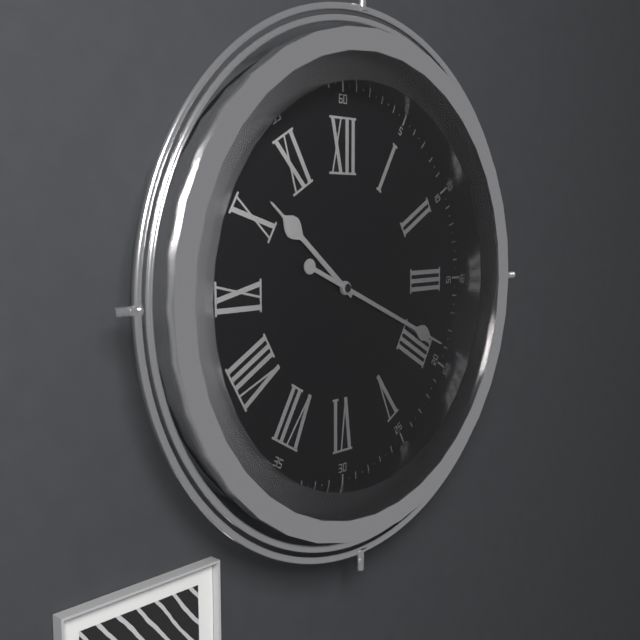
{"hour": 10, "minute": 19}
